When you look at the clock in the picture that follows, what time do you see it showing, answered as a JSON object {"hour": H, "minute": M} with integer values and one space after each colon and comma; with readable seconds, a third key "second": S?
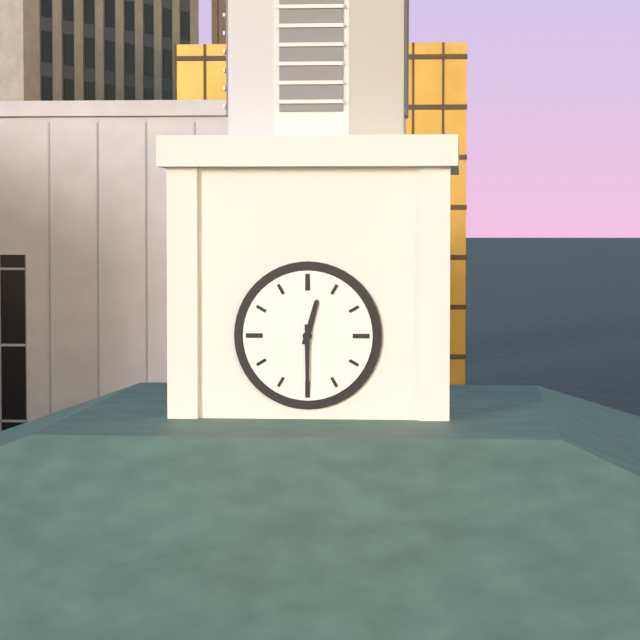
{"hour": 12, "minute": 30}
